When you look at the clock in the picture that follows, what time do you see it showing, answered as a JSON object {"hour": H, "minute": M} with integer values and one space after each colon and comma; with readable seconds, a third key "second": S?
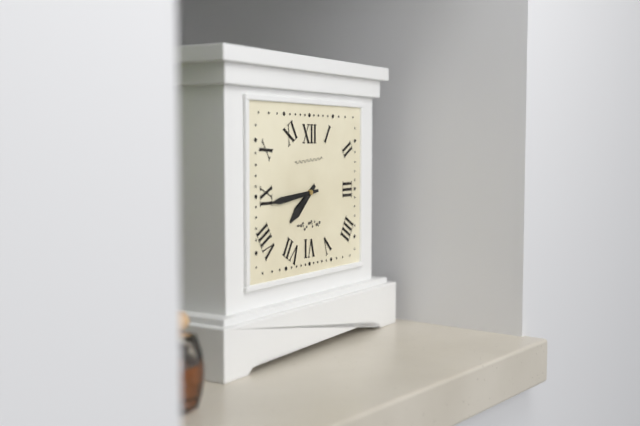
{"hour": 7, "minute": 44}
